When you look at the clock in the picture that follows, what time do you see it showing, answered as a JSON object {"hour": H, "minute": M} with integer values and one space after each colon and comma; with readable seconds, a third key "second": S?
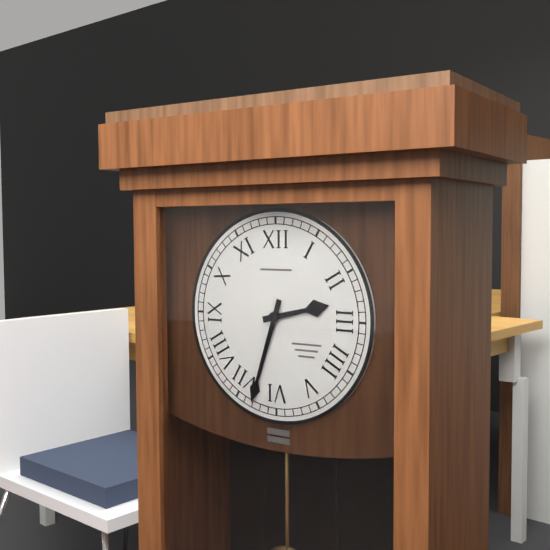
{"hour": 2, "minute": 33}
